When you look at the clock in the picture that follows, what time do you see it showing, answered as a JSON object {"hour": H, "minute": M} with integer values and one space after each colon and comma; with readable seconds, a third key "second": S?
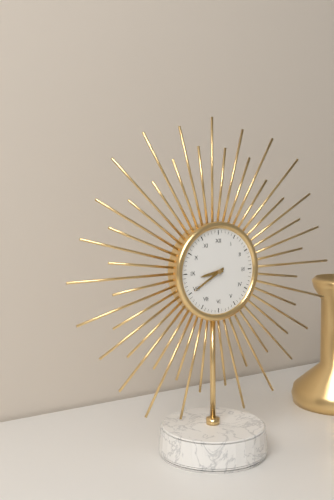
{"hour": 8, "minute": 40}
